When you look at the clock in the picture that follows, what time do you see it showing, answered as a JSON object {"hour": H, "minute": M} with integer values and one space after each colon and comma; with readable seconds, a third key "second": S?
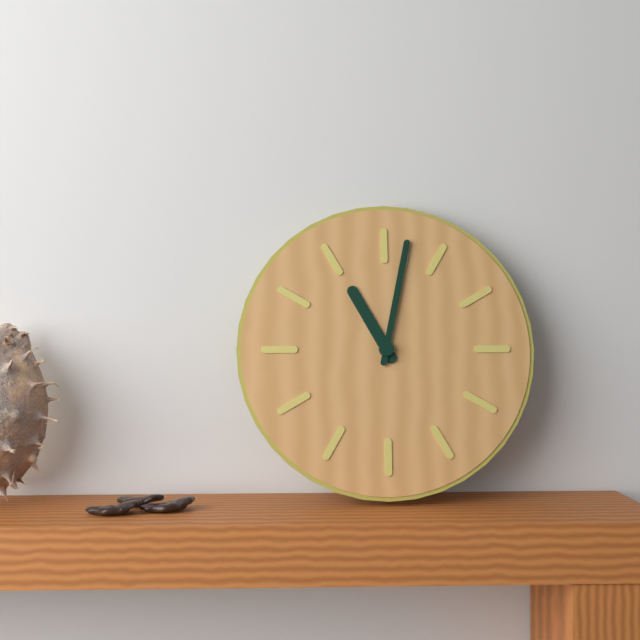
{"hour": 11, "minute": 2}
